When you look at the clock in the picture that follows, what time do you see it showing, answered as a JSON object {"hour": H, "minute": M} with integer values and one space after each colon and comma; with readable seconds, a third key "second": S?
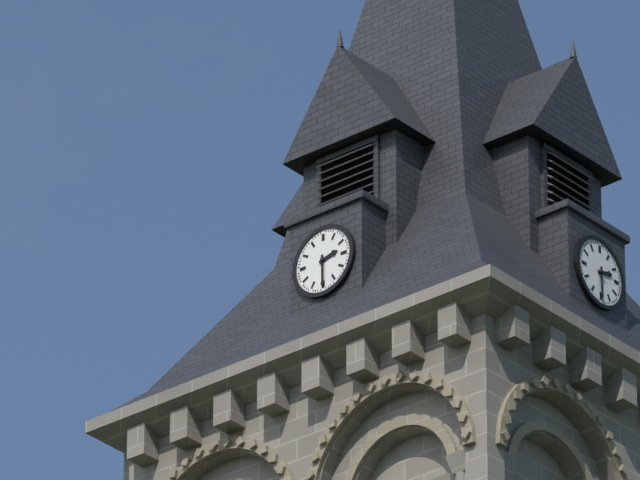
{"hour": 2, "minute": 30}
